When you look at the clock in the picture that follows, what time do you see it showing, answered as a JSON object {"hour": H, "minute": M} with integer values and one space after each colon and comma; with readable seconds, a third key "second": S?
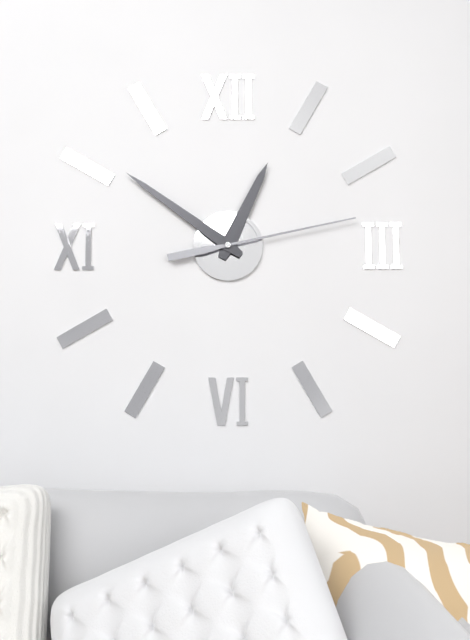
{"hour": 12, "minute": 51, "second": 13}
